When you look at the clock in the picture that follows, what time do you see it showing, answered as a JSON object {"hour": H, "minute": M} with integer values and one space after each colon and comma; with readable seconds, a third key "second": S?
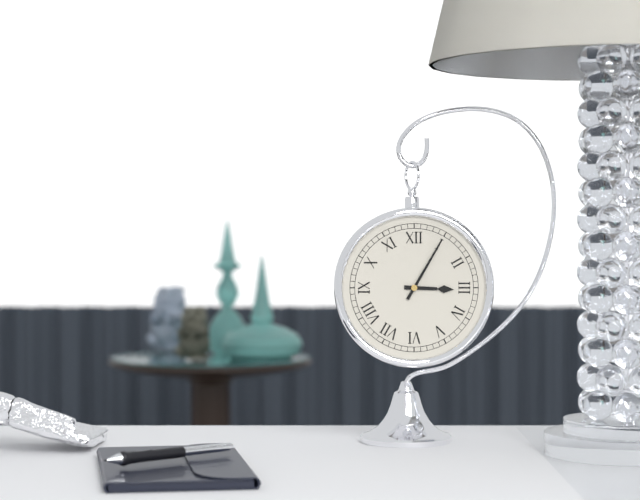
{"hour": 3, "minute": 5}
